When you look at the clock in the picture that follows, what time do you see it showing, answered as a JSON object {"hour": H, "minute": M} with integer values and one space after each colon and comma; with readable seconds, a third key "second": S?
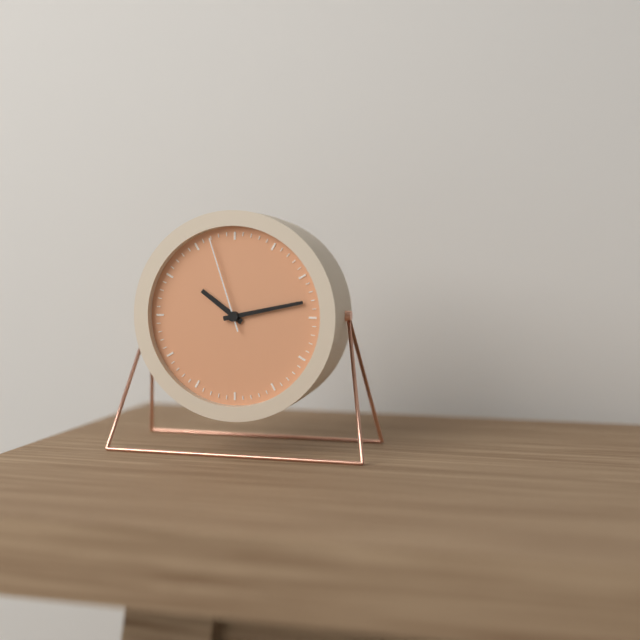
{"hour": 10, "minute": 13, "second": 57}
